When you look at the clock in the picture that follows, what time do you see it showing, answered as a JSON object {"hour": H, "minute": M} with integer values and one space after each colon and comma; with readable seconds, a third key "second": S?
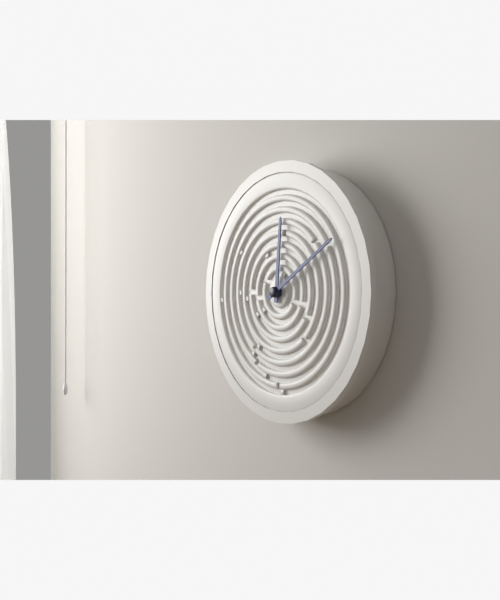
{"hour": 12, "minute": 10}
